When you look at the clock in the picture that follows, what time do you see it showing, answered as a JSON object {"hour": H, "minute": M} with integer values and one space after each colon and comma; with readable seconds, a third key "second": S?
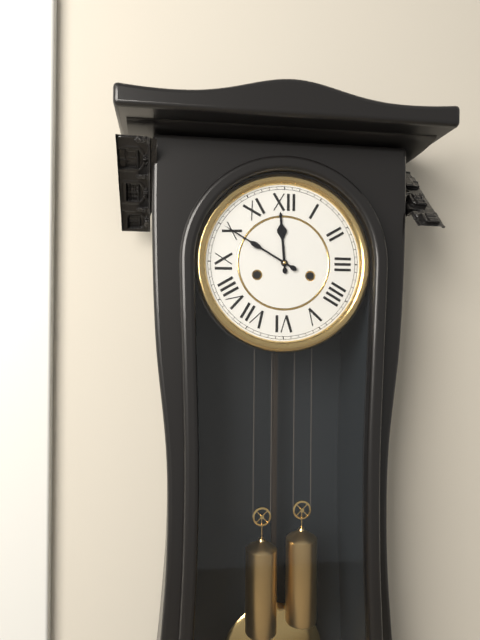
{"hour": 11, "minute": 50}
